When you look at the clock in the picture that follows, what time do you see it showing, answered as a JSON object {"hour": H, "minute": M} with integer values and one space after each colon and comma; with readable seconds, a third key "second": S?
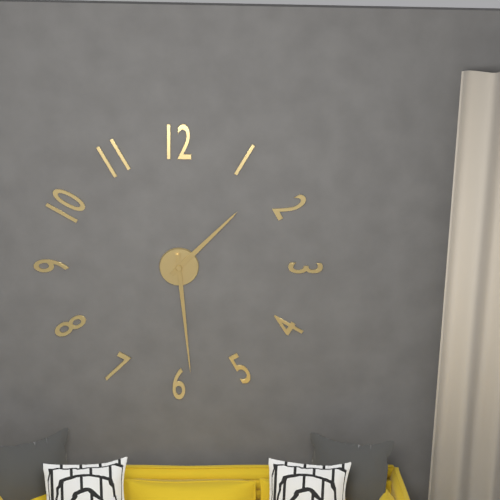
{"hour": 1, "minute": 29}
